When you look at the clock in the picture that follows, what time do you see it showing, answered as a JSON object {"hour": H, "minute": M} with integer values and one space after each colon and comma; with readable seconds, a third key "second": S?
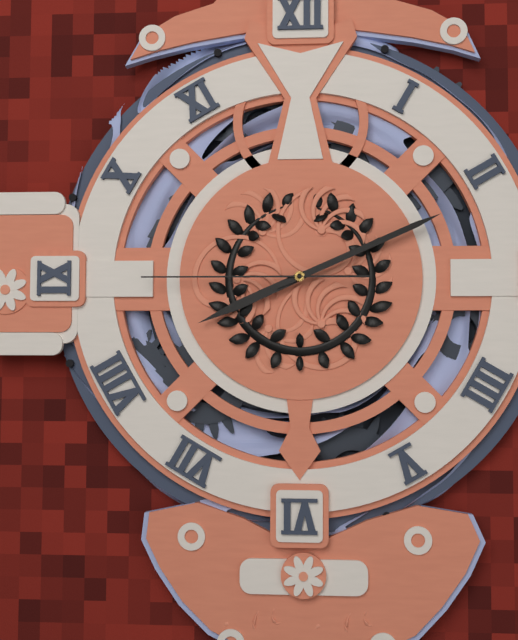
{"hour": 8, "minute": 11, "second": 45}
